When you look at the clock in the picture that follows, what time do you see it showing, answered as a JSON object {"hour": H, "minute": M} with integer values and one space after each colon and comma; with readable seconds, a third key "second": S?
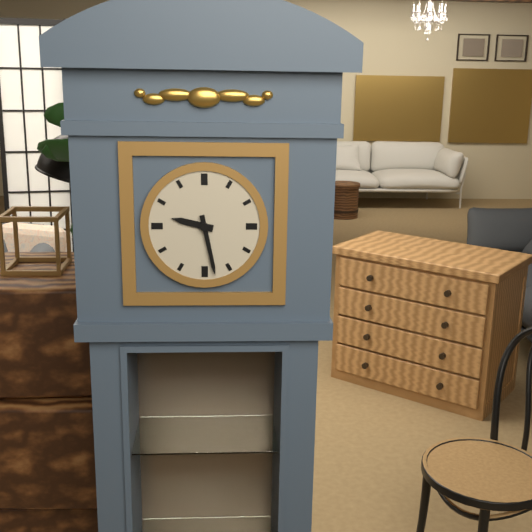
{"hour": 9, "minute": 28}
